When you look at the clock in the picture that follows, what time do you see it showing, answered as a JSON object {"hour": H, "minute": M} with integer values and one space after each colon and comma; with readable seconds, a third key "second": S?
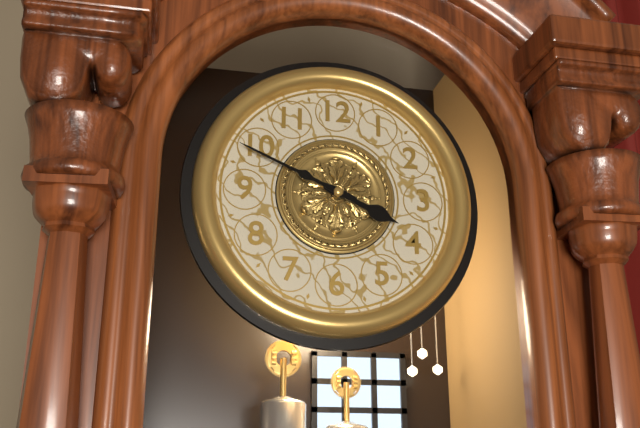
{"hour": 3, "minute": 49}
